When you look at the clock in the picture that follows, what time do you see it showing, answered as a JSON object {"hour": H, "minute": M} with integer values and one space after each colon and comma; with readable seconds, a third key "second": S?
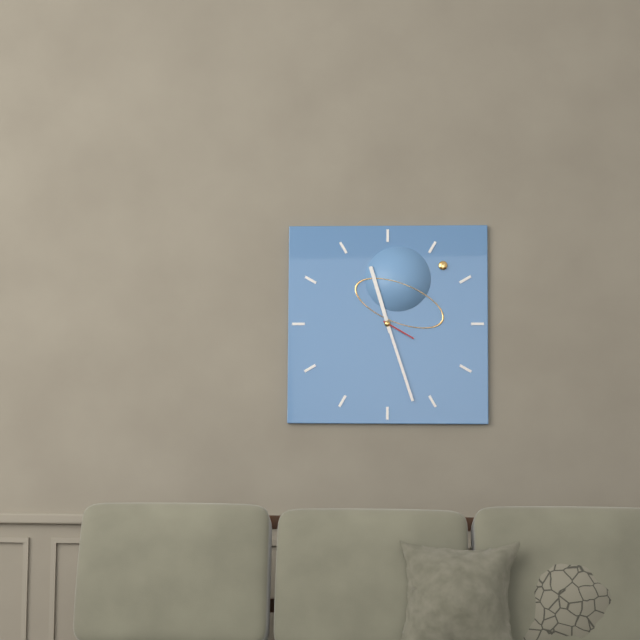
{"hour": 11, "minute": 27}
